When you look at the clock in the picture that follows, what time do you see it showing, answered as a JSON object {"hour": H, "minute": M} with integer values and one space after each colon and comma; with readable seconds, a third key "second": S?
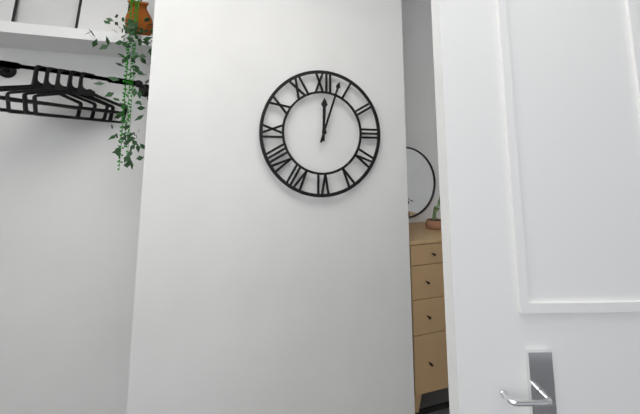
{"hour": 12, "minute": 3}
